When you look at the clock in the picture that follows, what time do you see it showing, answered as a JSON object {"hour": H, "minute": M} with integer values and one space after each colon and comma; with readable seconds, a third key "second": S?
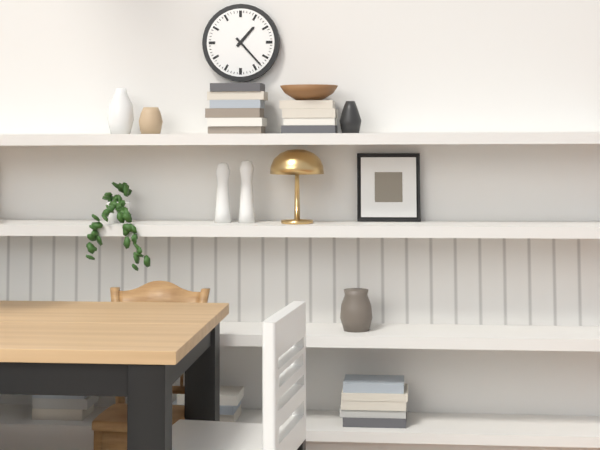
{"hour": 1, "minute": 23}
